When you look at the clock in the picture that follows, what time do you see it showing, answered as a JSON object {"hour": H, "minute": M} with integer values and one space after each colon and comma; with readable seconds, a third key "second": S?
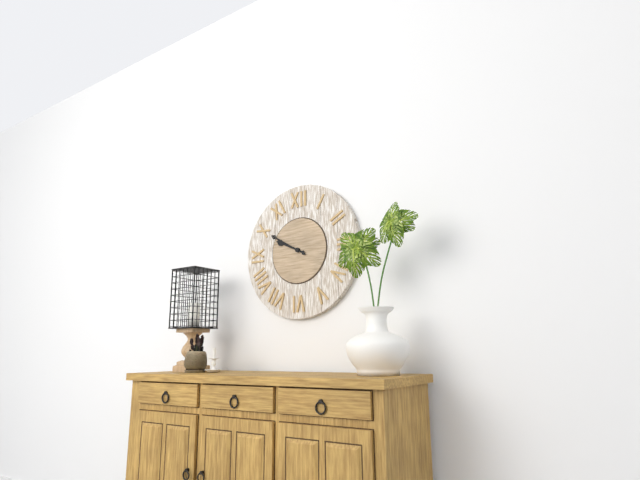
{"hour": 9, "minute": 50}
